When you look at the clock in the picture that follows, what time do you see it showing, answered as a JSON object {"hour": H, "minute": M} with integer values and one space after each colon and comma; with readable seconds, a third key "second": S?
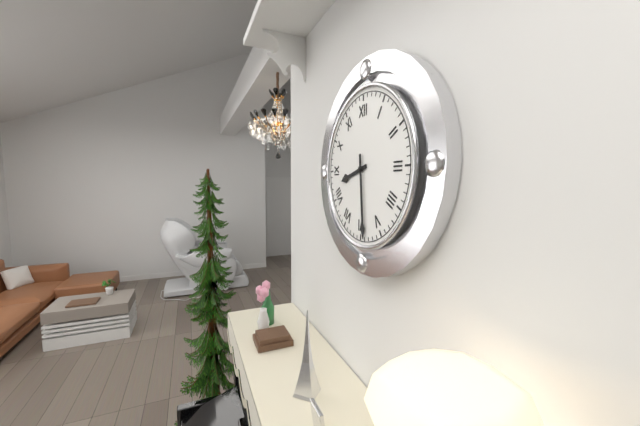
{"hour": 8, "minute": 29}
